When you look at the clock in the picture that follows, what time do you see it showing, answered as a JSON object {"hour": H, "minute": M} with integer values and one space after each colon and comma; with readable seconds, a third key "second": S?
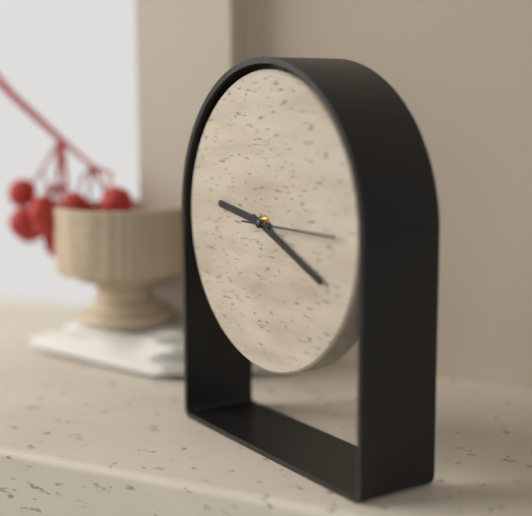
{"hour": 9, "minute": 19, "second": 15}
